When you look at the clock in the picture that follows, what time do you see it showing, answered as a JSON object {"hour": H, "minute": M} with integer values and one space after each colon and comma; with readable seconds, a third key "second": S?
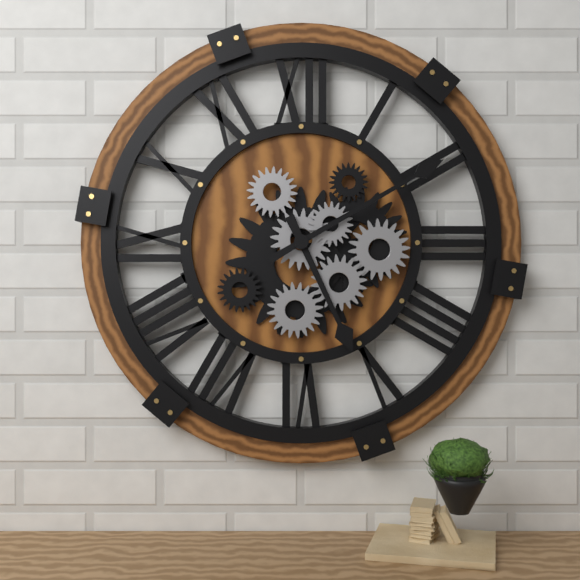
{"hour": 5, "minute": 10}
